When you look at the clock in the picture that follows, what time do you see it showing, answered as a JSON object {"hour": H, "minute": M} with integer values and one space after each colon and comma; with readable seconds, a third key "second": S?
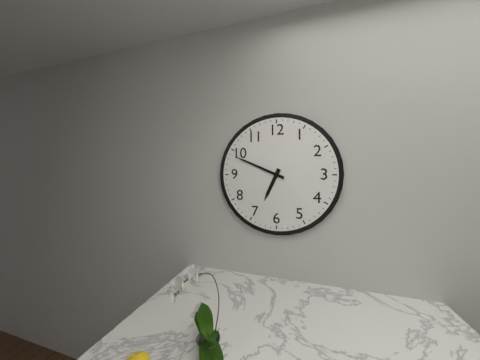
{"hour": 6, "minute": 49}
